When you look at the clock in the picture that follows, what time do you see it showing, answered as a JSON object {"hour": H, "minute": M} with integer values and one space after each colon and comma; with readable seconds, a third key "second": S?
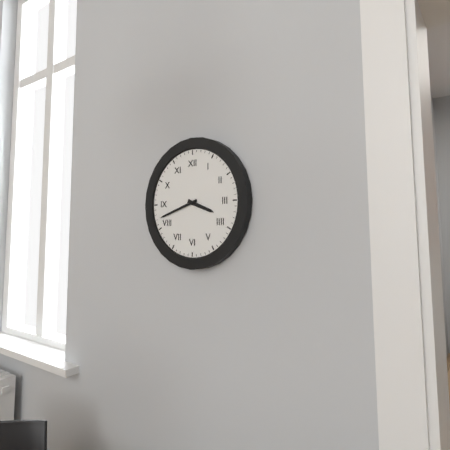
{"hour": 3, "minute": 42}
